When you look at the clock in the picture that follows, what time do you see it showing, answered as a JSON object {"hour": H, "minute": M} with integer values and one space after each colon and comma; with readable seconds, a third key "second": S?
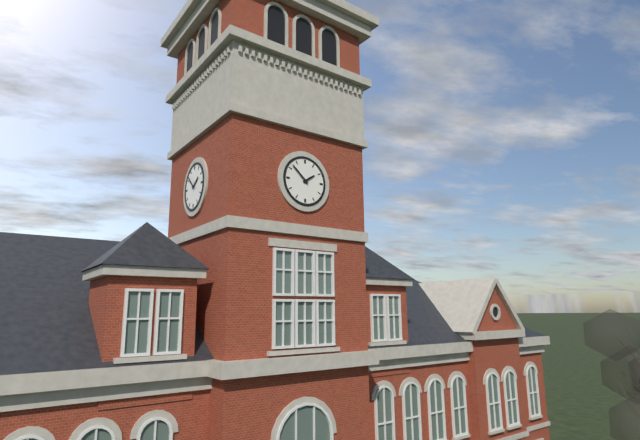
{"hour": 1, "minute": 52}
